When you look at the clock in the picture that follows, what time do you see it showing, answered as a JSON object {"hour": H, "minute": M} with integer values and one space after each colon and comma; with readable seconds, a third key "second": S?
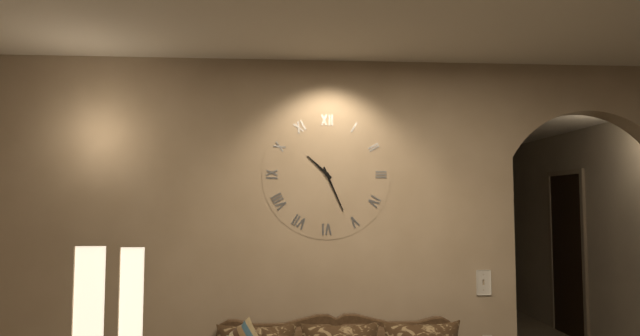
{"hour": 10, "minute": 26}
